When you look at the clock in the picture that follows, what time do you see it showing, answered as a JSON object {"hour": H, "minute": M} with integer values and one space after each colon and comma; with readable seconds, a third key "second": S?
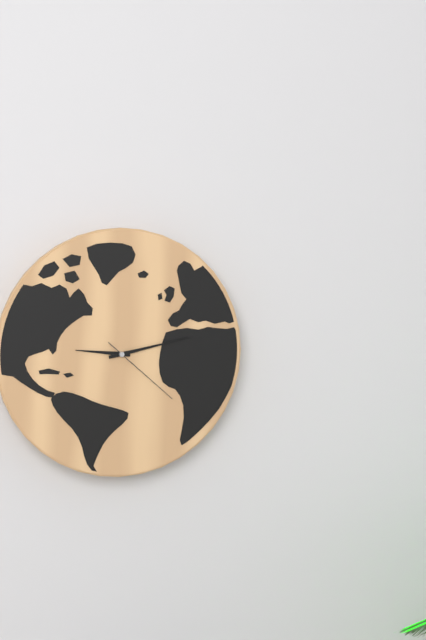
{"hour": 9, "minute": 13, "second": 22}
